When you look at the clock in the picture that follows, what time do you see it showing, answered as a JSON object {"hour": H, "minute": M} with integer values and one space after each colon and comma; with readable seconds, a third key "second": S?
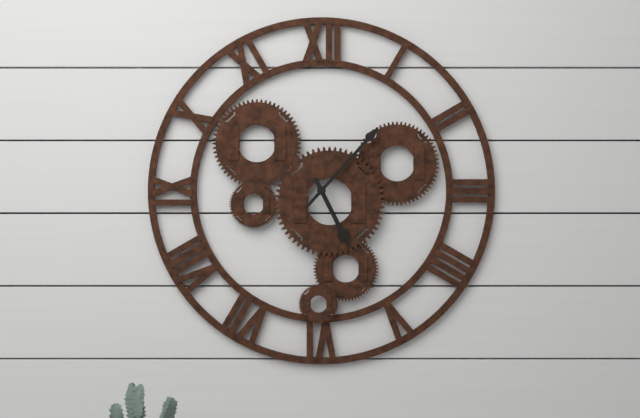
{"hour": 5, "minute": 7}
